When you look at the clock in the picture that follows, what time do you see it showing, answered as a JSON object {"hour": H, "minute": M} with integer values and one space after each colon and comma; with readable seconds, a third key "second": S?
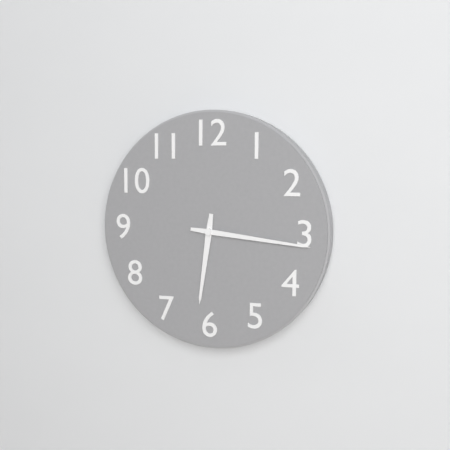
{"hour": 6, "minute": 16}
